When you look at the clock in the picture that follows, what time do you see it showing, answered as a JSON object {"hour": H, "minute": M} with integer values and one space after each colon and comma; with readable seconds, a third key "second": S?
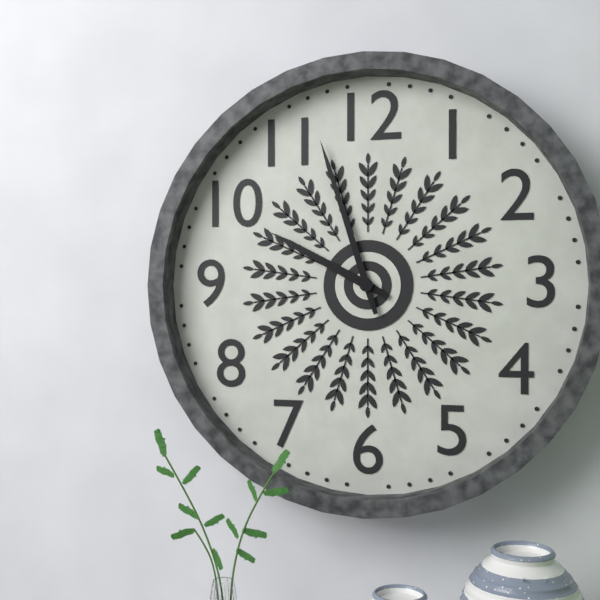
{"hour": 9, "minute": 57}
